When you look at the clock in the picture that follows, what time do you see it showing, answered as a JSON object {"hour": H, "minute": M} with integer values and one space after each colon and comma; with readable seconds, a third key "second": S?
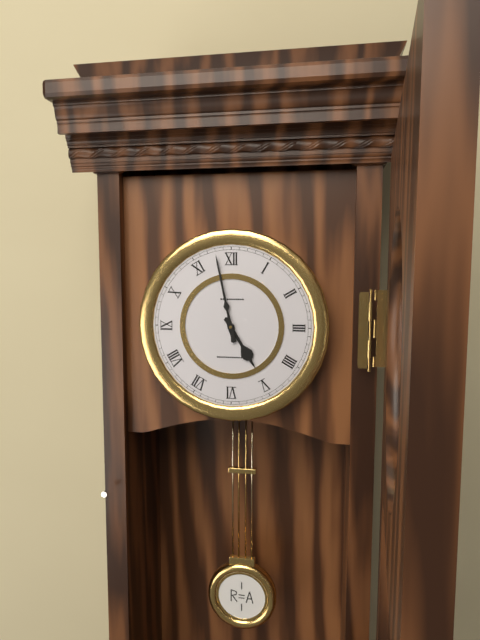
{"hour": 4, "minute": 58}
